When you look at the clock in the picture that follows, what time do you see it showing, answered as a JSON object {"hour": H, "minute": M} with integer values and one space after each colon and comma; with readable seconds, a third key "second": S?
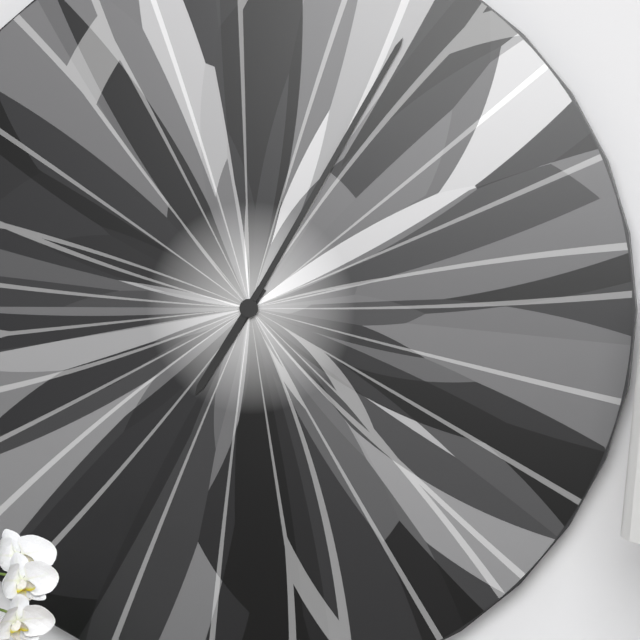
{"hour": 7, "minute": 5}
